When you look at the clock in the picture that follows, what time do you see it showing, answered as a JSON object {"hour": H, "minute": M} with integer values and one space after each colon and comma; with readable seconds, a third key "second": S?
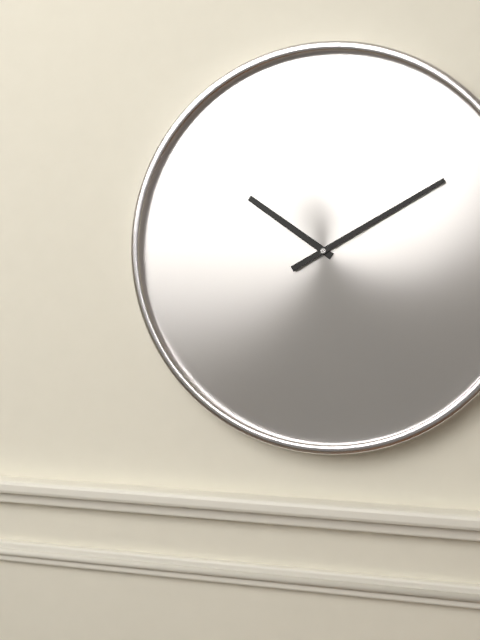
{"hour": 10, "minute": 10}
